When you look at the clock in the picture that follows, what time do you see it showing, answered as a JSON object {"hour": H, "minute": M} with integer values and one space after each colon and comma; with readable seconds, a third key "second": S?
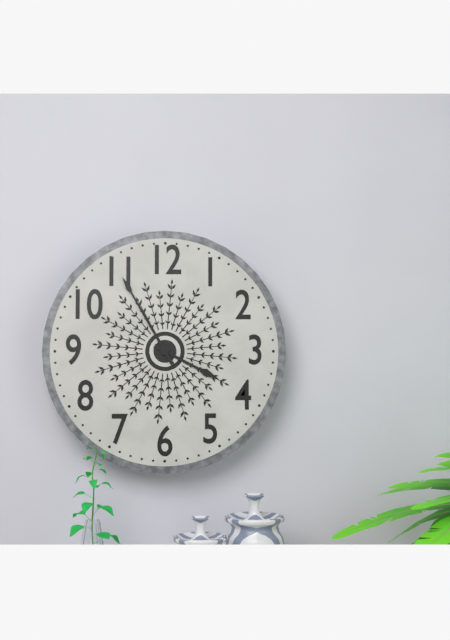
{"hour": 3, "minute": 55}
